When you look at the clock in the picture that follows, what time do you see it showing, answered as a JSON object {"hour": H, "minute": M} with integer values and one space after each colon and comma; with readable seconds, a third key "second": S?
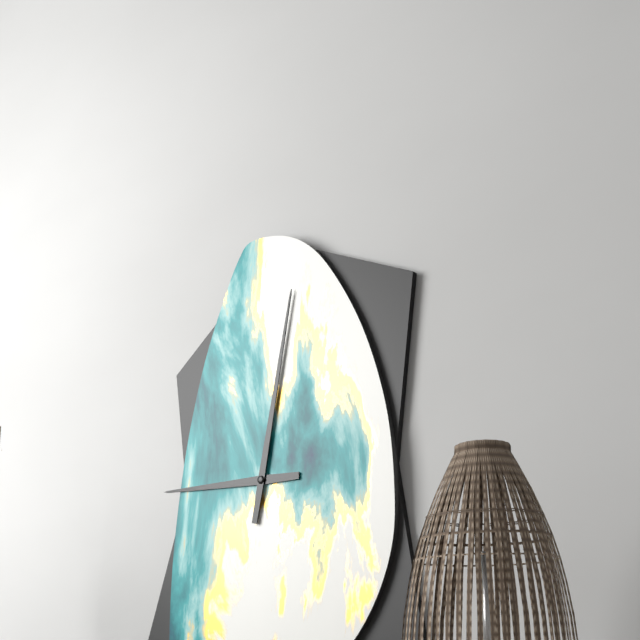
{"hour": 9, "minute": 2}
